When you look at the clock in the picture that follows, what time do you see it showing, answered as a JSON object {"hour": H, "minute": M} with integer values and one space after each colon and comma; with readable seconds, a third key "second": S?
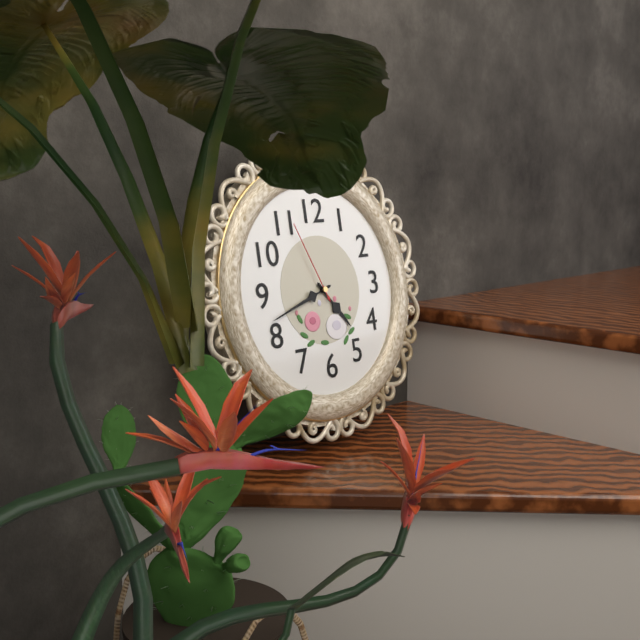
{"hour": 4, "minute": 42, "second": 56}
